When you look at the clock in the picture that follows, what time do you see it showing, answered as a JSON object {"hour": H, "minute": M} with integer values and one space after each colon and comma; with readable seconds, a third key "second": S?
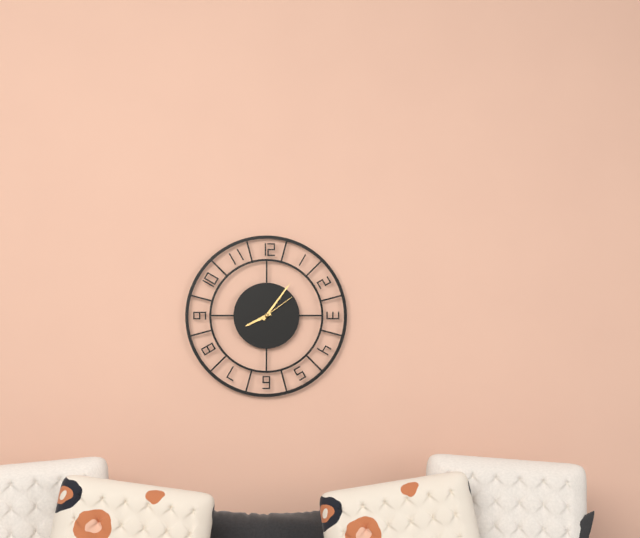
{"hour": 8, "minute": 6}
